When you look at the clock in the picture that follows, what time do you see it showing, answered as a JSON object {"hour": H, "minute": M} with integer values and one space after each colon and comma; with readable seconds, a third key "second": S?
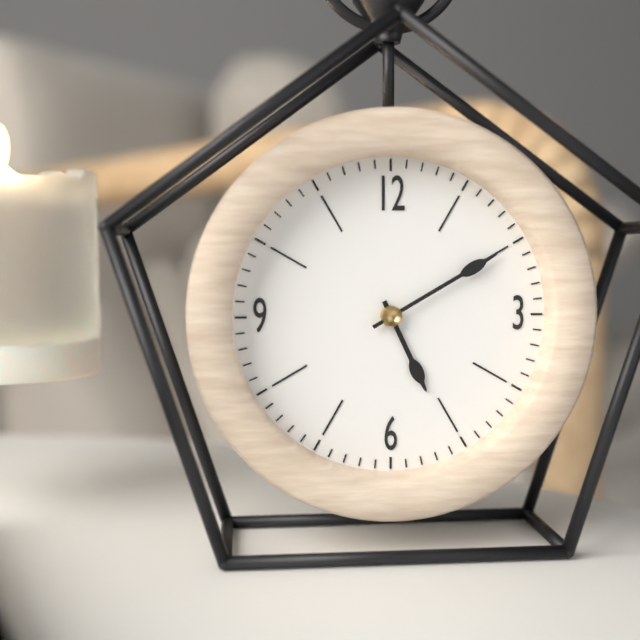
{"hour": 5, "minute": 10}
